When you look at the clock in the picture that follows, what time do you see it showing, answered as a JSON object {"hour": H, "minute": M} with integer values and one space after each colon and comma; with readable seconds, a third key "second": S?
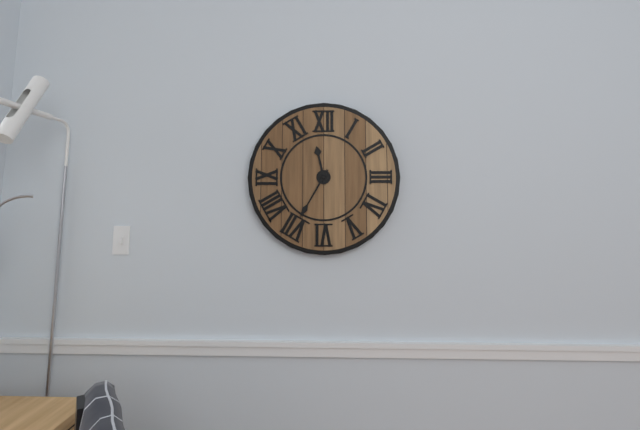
{"hour": 11, "minute": 35}
